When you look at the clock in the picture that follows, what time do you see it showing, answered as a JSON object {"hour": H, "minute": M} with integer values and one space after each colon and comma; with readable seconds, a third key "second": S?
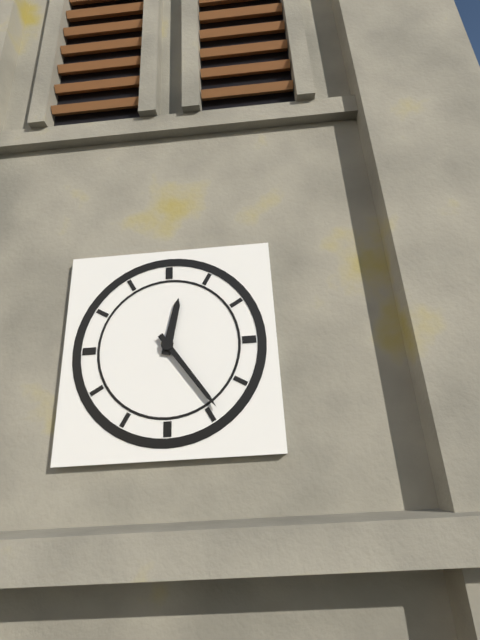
{"hour": 12, "minute": 24}
